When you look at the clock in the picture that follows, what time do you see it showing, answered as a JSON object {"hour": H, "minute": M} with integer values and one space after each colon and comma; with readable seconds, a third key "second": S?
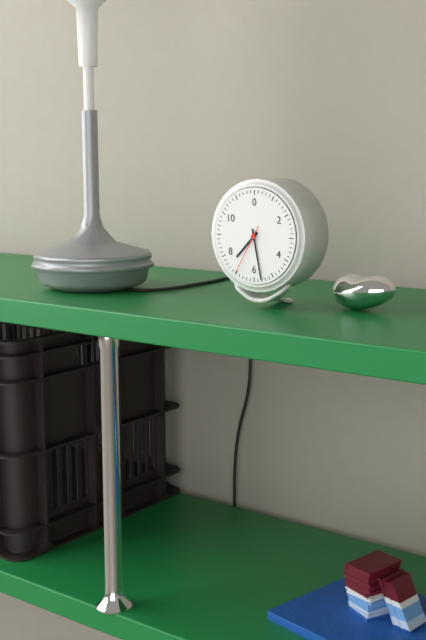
{"hour": 7, "minute": 28, "second": 35}
